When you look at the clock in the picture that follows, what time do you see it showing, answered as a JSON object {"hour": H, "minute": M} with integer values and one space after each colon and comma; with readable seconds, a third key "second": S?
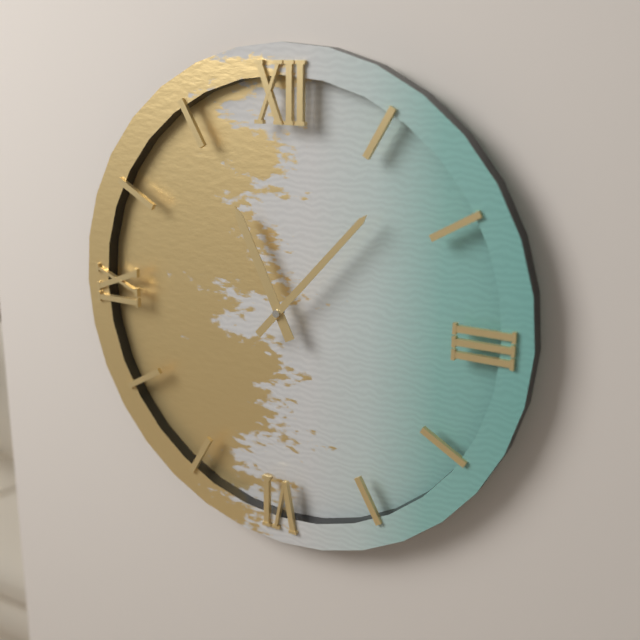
{"hour": 11, "minute": 7}
